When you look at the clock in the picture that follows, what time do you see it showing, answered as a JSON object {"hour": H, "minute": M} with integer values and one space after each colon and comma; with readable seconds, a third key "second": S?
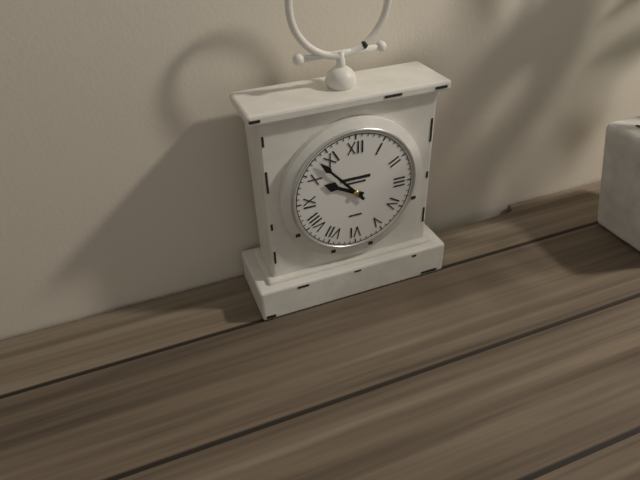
{"hour": 9, "minute": 53}
